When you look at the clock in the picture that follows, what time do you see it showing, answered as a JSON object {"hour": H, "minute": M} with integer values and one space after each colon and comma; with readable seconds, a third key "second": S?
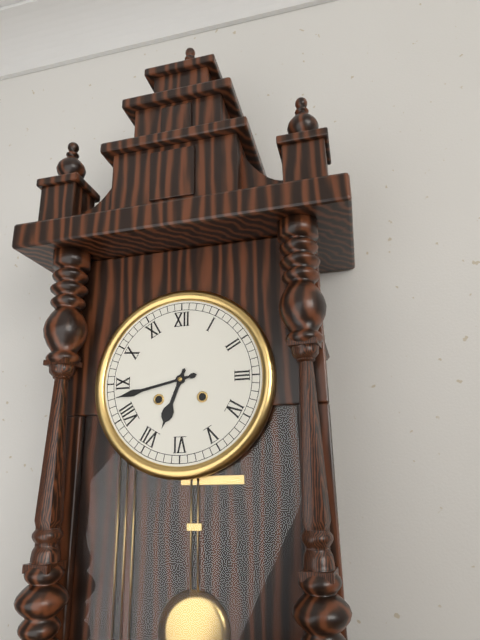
{"hour": 6, "minute": 43}
